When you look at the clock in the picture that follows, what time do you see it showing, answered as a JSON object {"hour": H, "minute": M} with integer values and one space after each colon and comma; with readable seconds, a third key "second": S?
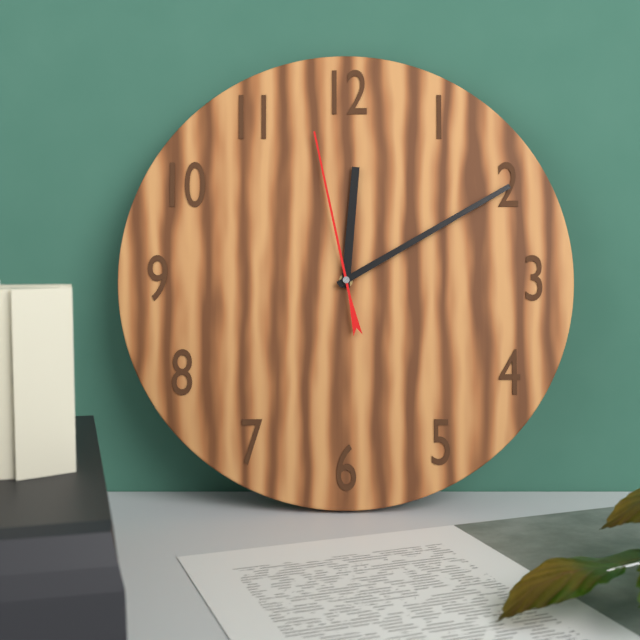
{"hour": 12, "minute": 10, "second": 58}
